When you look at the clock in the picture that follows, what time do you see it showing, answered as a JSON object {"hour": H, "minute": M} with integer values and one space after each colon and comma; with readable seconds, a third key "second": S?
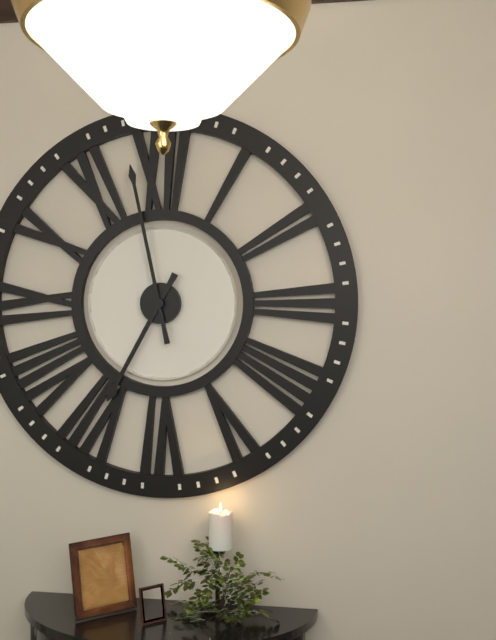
{"hour": 6, "minute": 58}
